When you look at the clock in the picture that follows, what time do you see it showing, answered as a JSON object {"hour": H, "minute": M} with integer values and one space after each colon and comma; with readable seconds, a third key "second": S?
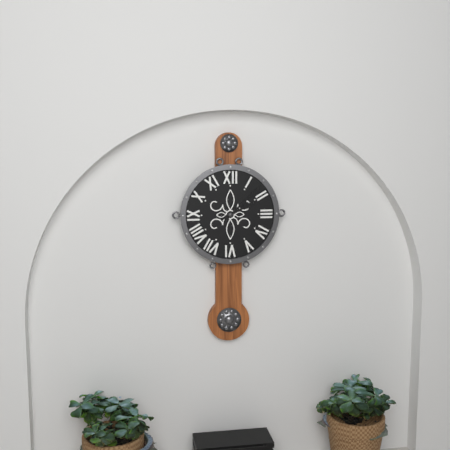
{"hour": 2, "minute": 8}
